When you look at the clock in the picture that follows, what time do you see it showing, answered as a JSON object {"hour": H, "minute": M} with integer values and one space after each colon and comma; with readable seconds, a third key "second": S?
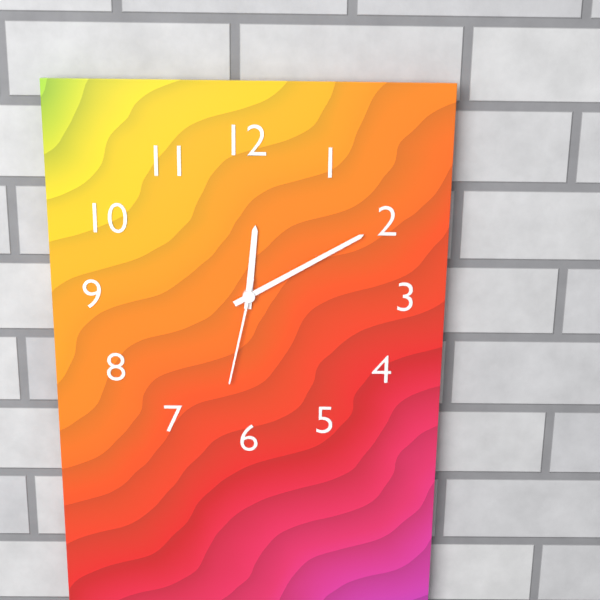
{"hour": 12, "minute": 10, "second": 32}
